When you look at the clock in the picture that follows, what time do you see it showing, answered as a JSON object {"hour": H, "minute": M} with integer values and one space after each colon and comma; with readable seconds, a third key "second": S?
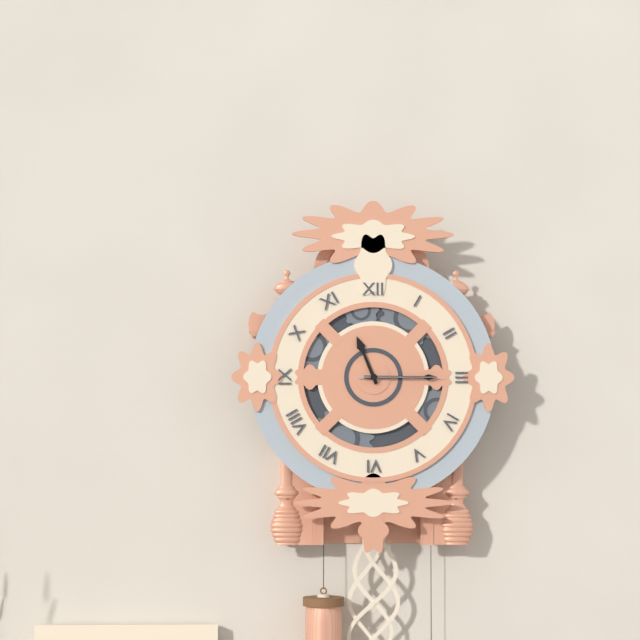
{"hour": 11, "minute": 15, "second": 15}
